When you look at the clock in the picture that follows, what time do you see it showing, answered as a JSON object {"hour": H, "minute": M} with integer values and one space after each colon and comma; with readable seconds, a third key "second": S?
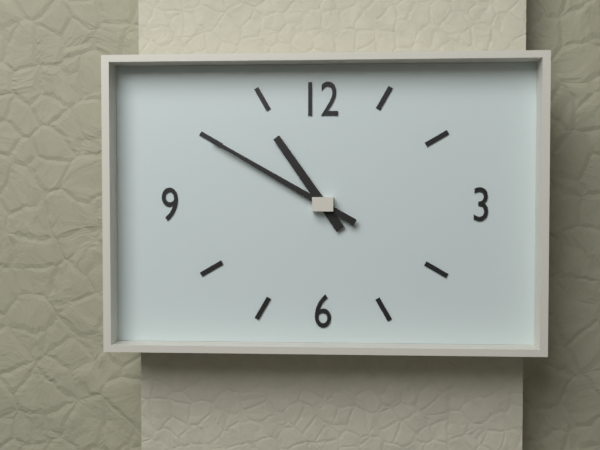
{"hour": 10, "minute": 50}
